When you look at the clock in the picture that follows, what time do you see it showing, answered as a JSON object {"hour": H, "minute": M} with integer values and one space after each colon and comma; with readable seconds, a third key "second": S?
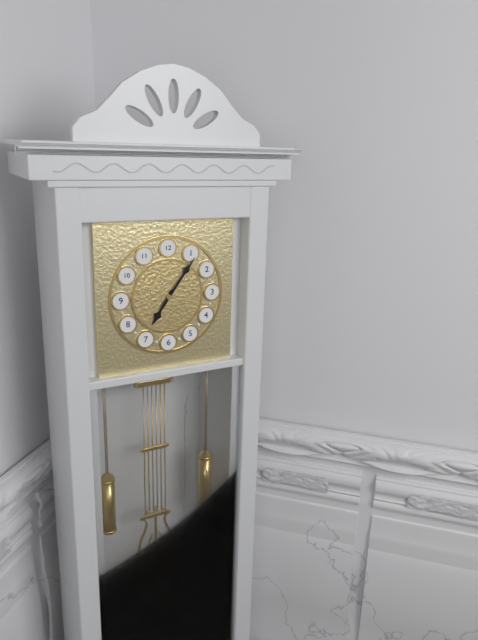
{"hour": 7, "minute": 6}
